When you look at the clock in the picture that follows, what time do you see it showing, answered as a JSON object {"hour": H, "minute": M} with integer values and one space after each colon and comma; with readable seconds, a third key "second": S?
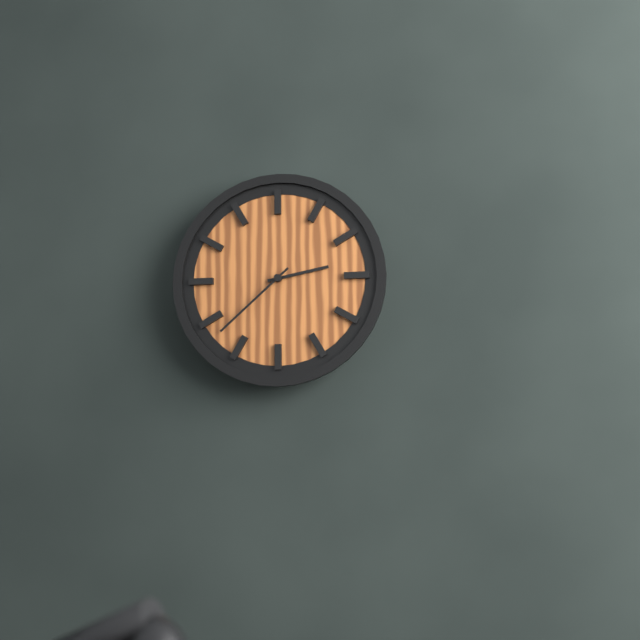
{"hour": 2, "minute": 38}
